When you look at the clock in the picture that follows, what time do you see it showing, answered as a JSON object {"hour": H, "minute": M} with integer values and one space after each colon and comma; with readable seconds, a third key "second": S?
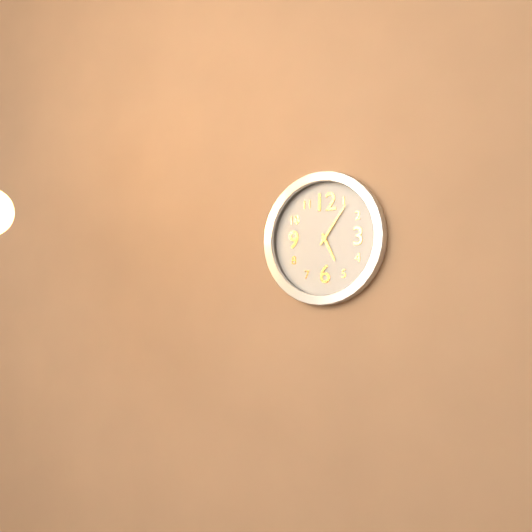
{"hour": 5, "minute": 6}
